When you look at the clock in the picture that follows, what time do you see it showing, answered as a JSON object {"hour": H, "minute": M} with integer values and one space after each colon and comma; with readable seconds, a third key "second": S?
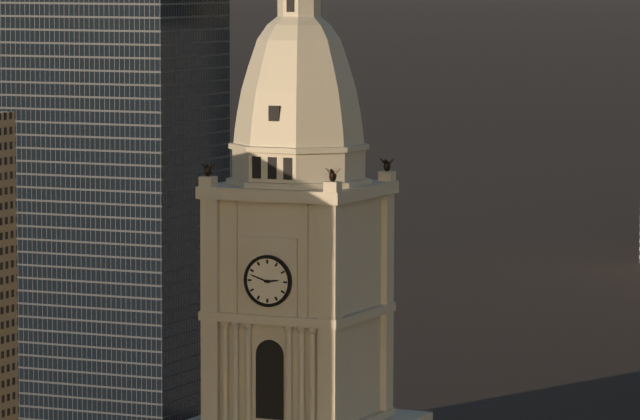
{"hour": 2, "minute": 48}
